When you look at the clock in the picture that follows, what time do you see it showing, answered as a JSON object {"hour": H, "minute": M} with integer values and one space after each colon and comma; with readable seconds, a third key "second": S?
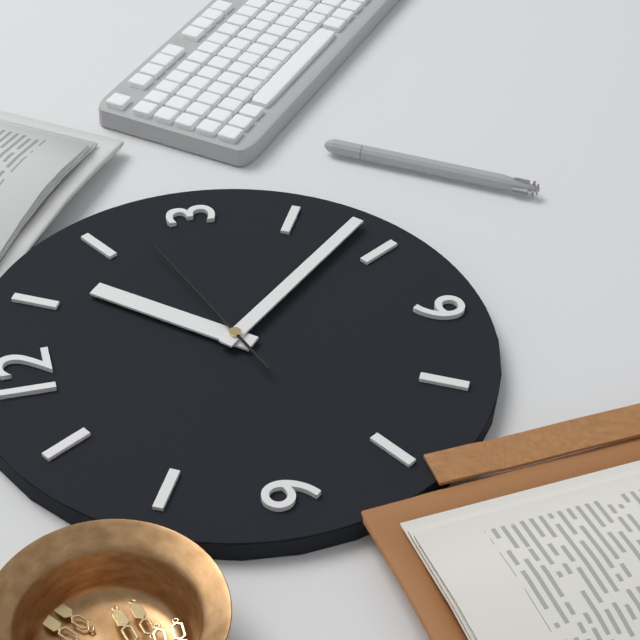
{"hour": 1, "minute": 23, "second": 12}
